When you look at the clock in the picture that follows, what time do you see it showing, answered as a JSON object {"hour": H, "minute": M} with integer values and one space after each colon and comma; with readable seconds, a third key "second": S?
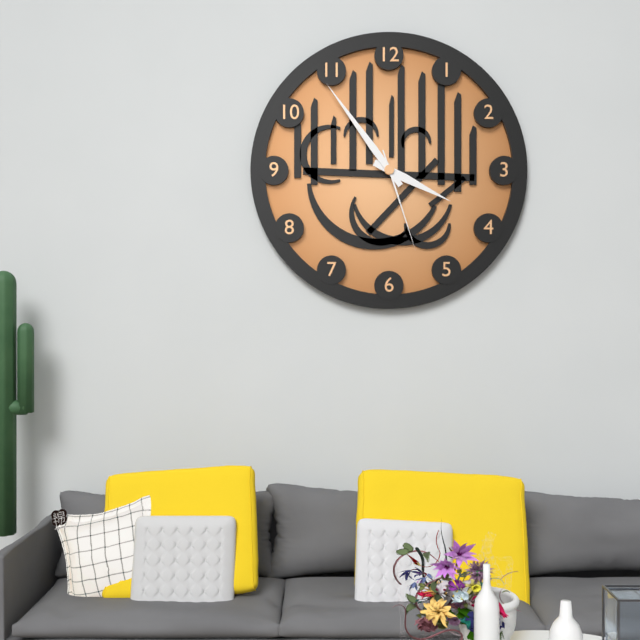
{"hour": 3, "minute": 54, "second": 27}
